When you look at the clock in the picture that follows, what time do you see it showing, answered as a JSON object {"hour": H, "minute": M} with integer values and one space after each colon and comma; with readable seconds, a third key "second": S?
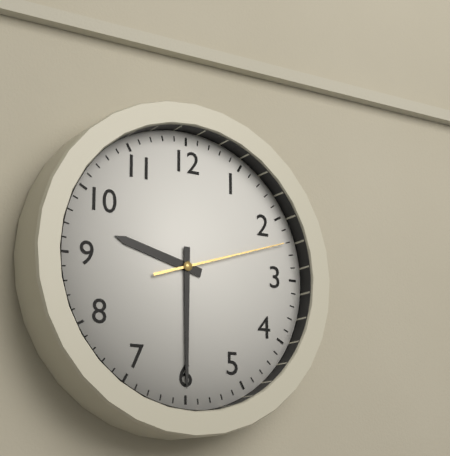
{"hour": 9, "minute": 30, "second": 12}
